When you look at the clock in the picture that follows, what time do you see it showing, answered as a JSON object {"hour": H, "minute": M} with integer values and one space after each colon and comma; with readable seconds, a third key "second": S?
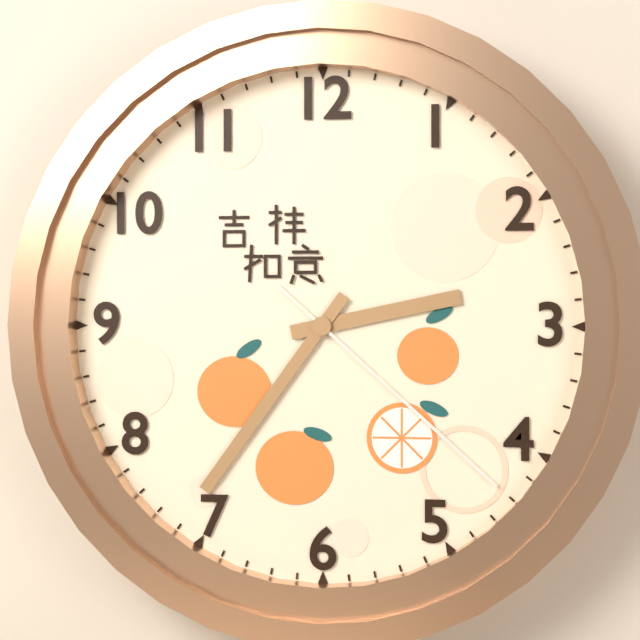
{"hour": 2, "minute": 36, "second": 22}
